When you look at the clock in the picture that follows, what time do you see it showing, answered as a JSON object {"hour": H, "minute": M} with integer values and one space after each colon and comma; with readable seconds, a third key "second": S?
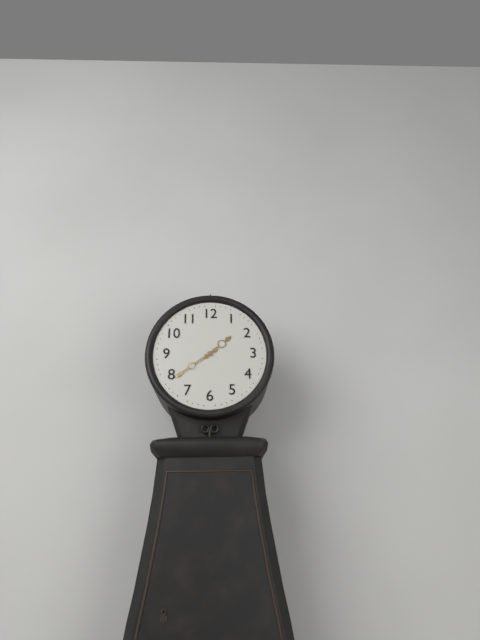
{"hour": 1, "minute": 39}
